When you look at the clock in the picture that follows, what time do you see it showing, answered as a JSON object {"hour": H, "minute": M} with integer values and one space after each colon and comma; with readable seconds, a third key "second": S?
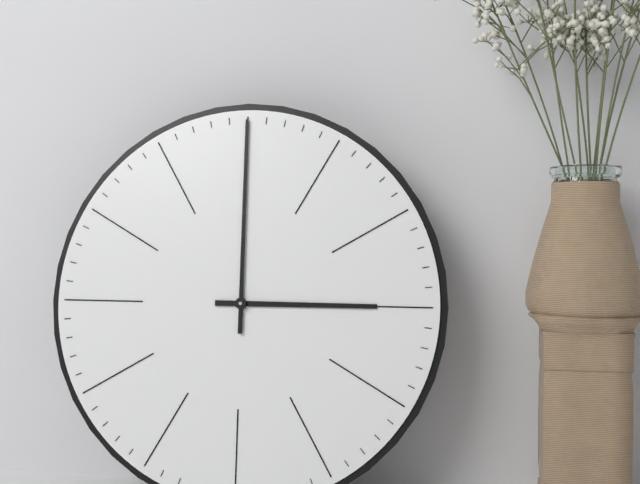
{"hour": 3, "minute": 0}
